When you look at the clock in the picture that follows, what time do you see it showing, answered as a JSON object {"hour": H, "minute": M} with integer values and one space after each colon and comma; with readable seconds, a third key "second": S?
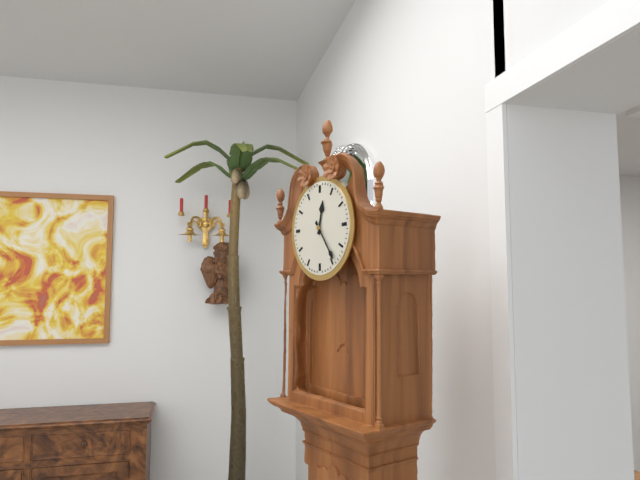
{"hour": 12, "minute": 24}
